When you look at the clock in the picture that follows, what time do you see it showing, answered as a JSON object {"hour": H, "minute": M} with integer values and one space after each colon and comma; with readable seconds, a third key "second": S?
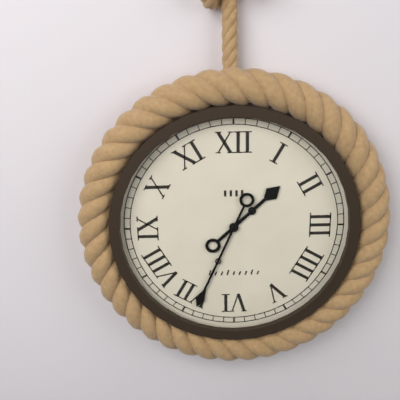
{"hour": 1, "minute": 34}
